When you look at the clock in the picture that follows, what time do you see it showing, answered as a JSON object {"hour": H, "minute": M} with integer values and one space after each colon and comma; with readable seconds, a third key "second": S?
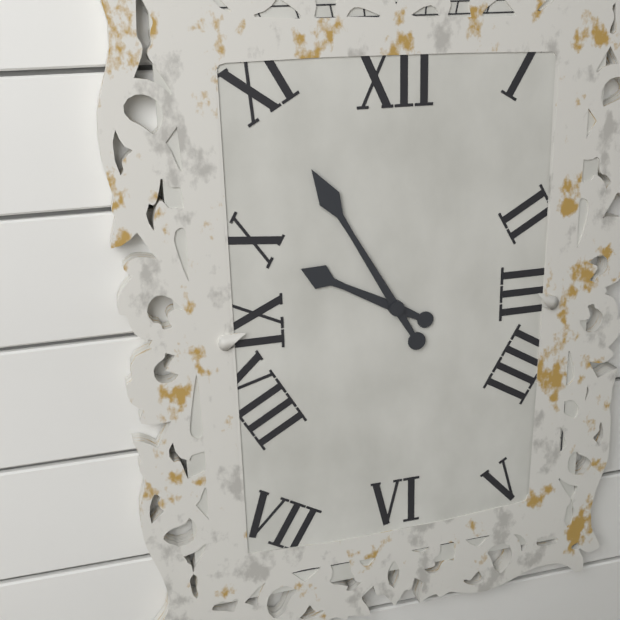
{"hour": 9, "minute": 55}
